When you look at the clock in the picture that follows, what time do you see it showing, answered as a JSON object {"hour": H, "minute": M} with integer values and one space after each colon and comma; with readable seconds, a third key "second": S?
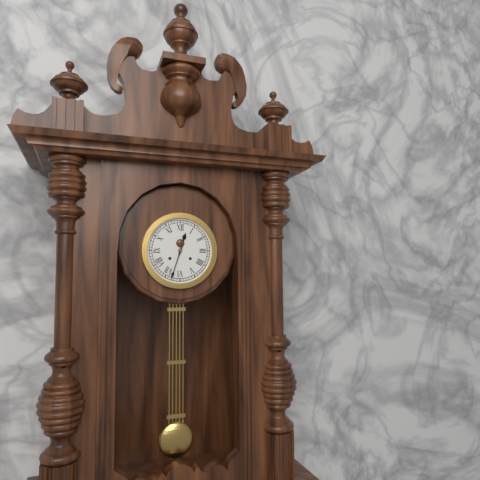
{"hour": 12, "minute": 33}
